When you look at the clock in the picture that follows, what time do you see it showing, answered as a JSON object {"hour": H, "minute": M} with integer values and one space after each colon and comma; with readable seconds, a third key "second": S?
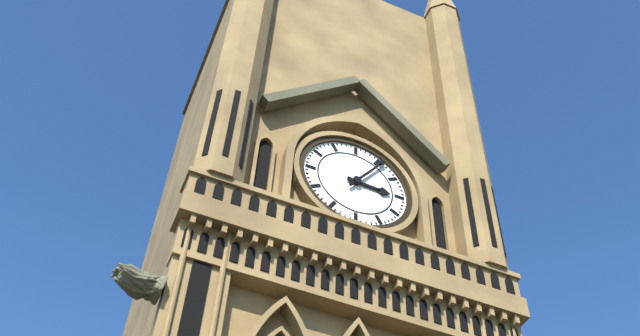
{"hour": 3, "minute": 6}
